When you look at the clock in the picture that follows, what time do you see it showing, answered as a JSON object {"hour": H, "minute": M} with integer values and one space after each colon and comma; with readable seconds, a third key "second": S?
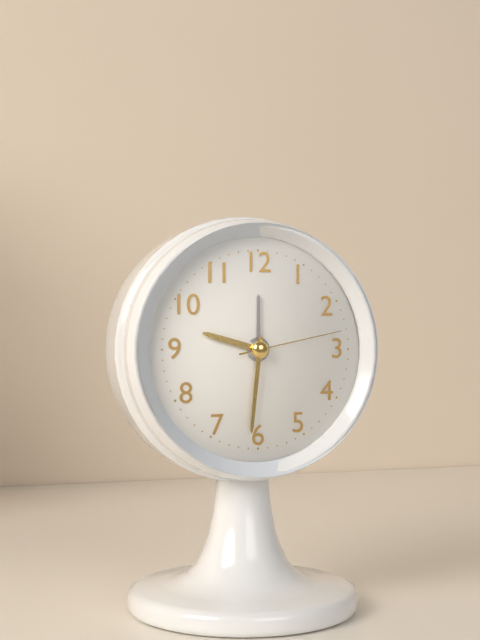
{"hour": 9, "minute": 31, "second": 13}
